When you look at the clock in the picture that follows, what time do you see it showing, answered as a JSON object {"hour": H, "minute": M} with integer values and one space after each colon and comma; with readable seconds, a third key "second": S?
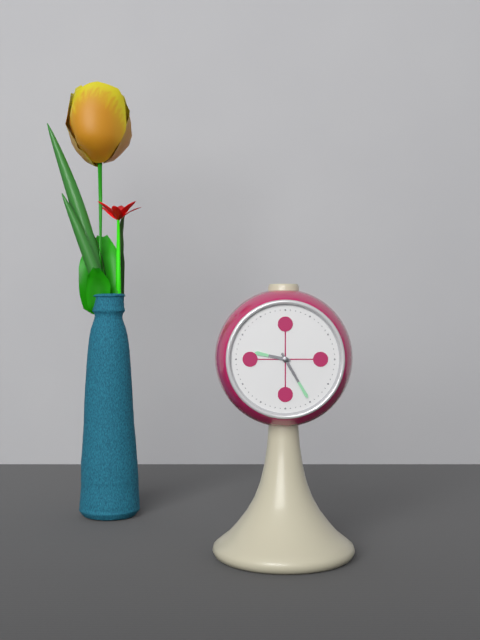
{"hour": 9, "minute": 25}
